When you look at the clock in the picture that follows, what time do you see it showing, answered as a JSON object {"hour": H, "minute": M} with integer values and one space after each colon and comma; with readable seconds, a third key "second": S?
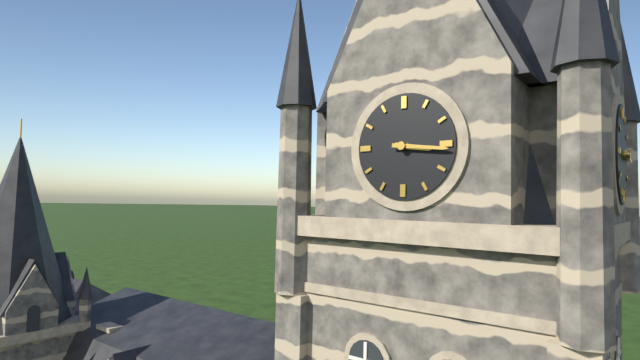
{"hour": 3, "minute": 16}
